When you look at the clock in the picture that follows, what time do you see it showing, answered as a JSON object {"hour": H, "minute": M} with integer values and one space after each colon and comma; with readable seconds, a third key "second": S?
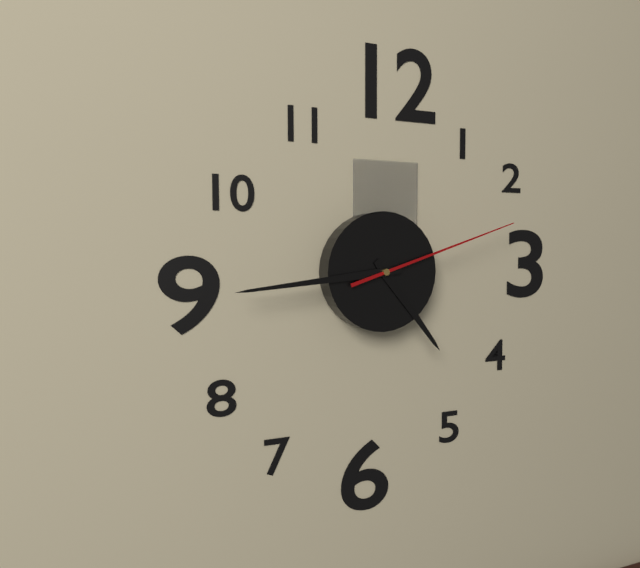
{"hour": 4, "minute": 44, "second": 12}
